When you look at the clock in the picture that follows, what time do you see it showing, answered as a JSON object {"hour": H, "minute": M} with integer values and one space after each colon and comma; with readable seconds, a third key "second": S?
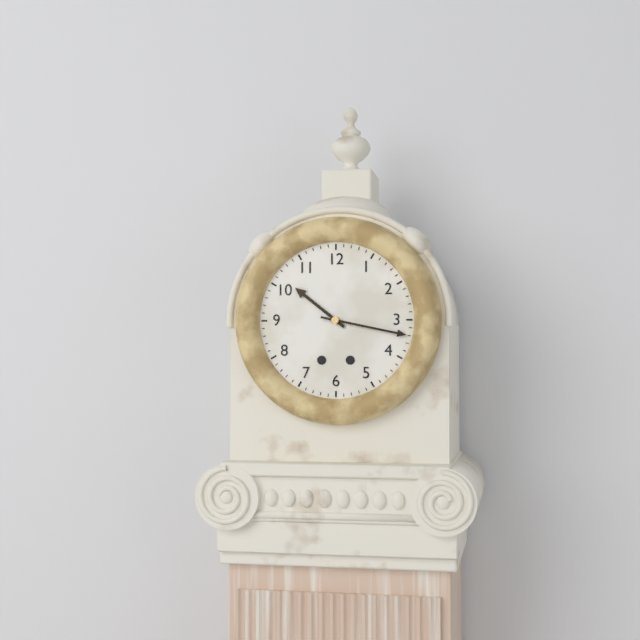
{"hour": 10, "minute": 17}
